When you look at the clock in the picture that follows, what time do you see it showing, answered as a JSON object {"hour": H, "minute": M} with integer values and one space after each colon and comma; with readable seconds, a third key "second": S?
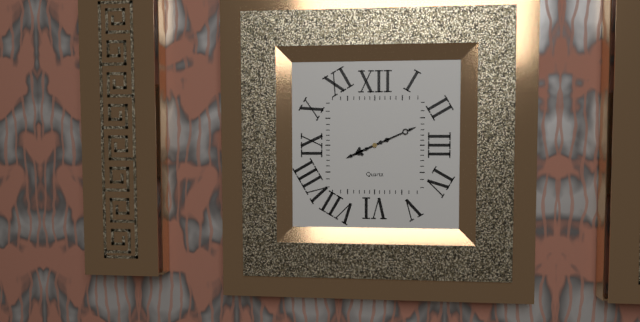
{"hour": 8, "minute": 11}
